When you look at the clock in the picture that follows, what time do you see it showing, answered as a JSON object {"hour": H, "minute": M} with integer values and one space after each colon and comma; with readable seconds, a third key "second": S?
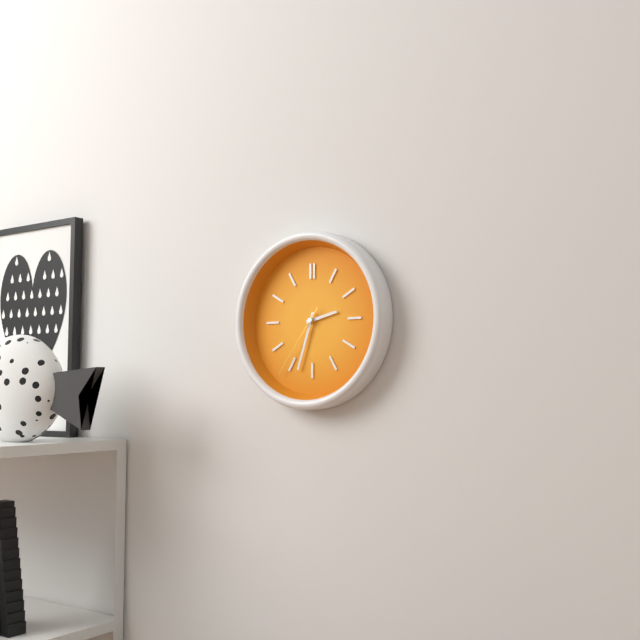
{"hour": 2, "minute": 33, "second": 36}
